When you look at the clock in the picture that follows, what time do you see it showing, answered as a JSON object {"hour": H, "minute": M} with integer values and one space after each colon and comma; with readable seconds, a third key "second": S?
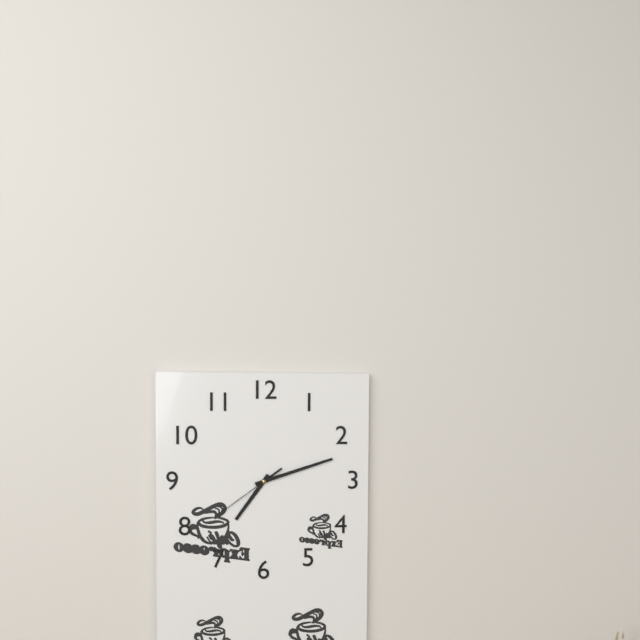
{"hour": 7, "minute": 12, "second": 39}
